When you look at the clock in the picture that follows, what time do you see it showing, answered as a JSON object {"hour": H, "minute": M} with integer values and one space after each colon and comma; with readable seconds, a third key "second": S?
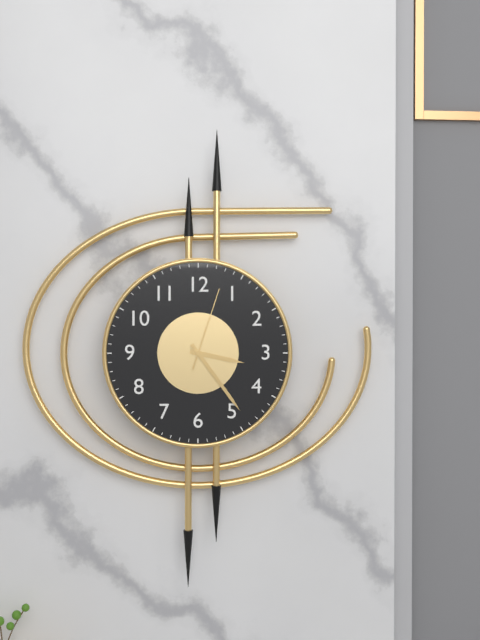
{"hour": 3, "minute": 24, "second": 3}
